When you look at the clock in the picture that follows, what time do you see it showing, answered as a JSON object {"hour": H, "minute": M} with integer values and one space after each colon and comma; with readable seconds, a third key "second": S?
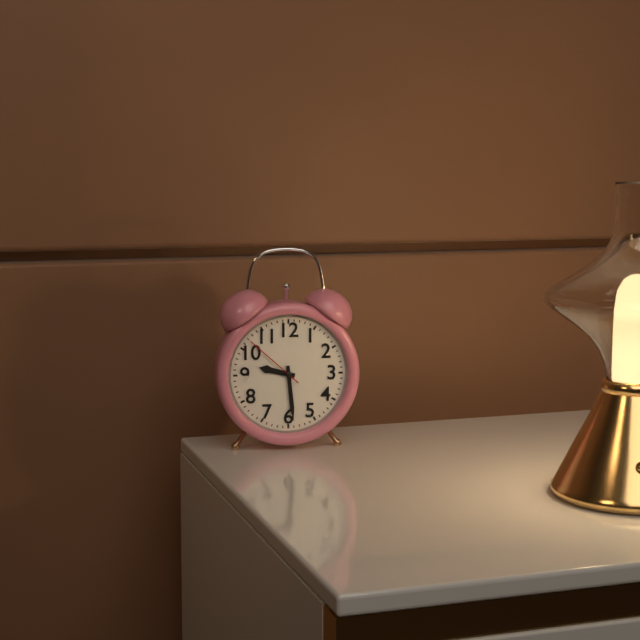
{"hour": 9, "minute": 29, "second": 52}
